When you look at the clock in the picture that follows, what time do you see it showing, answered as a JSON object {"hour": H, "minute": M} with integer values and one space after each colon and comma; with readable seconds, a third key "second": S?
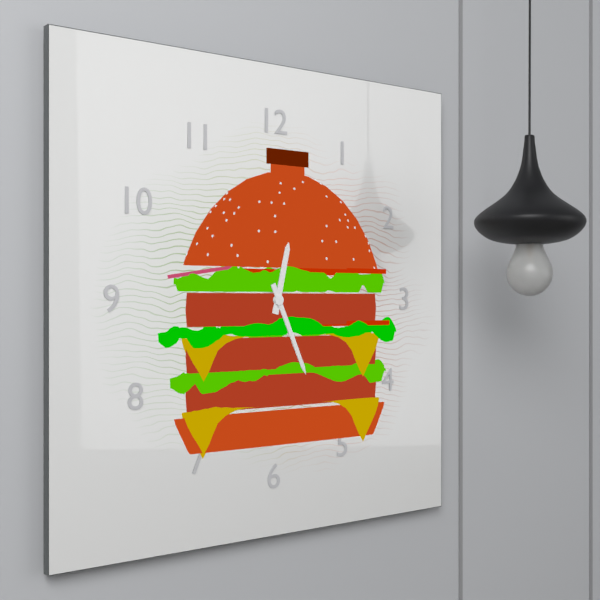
{"hour": 12, "minute": 26}
